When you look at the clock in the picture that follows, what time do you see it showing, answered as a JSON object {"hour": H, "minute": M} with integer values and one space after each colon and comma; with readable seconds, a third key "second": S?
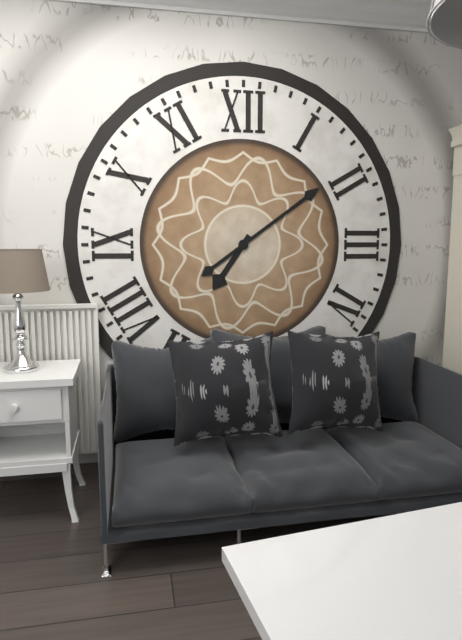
{"hour": 7, "minute": 9}
